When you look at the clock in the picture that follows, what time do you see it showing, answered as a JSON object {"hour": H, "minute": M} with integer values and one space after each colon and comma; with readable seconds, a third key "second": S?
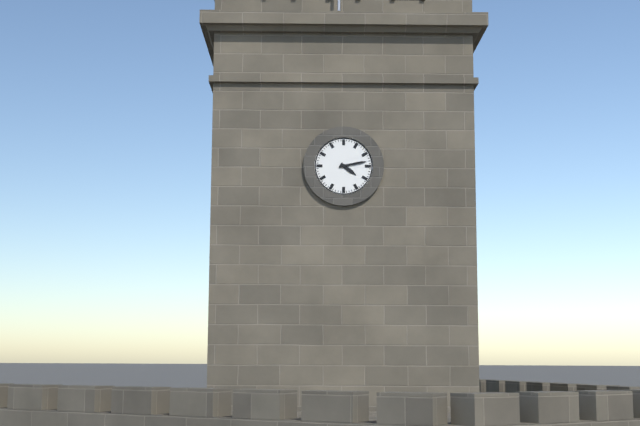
{"hour": 4, "minute": 13}
